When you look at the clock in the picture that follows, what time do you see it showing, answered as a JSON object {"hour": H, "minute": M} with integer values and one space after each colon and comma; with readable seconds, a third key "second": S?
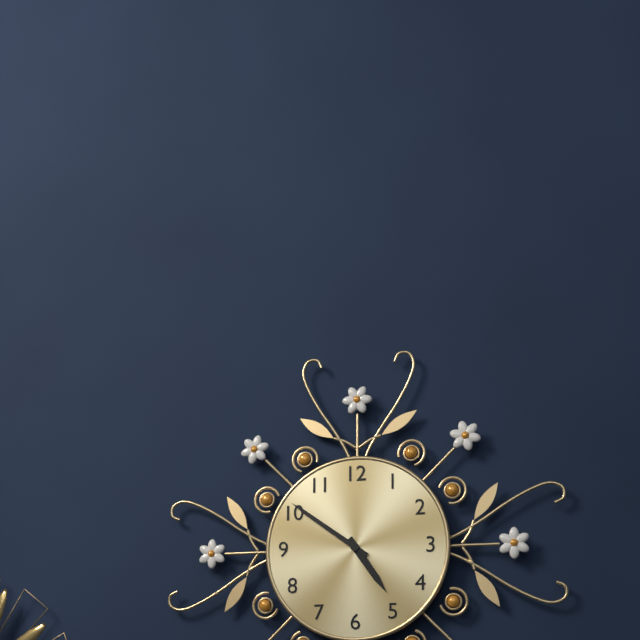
{"hour": 4, "minute": 51}
